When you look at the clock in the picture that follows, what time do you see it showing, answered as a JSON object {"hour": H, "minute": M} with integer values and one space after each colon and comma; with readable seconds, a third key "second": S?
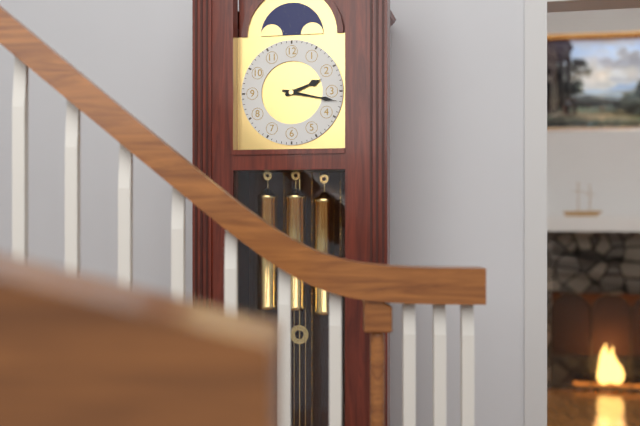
{"hour": 2, "minute": 17}
